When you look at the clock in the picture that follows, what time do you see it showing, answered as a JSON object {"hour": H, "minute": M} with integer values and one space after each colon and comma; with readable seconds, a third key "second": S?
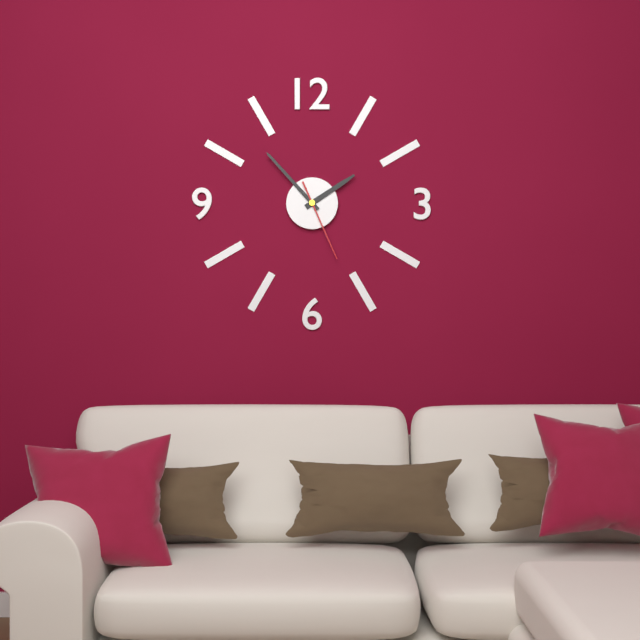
{"hour": 1, "minute": 53, "second": 26}
